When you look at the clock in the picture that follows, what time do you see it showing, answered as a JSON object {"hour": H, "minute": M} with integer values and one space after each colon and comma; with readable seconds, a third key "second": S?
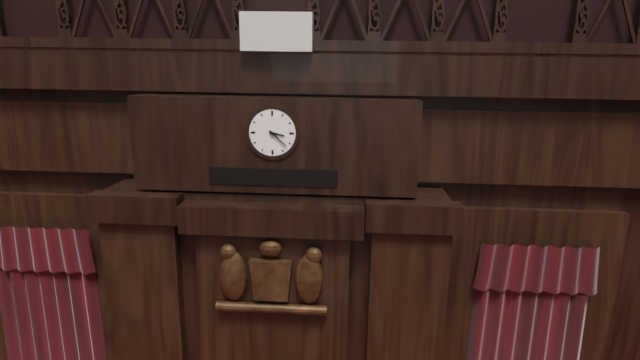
{"hour": 3, "minute": 22}
